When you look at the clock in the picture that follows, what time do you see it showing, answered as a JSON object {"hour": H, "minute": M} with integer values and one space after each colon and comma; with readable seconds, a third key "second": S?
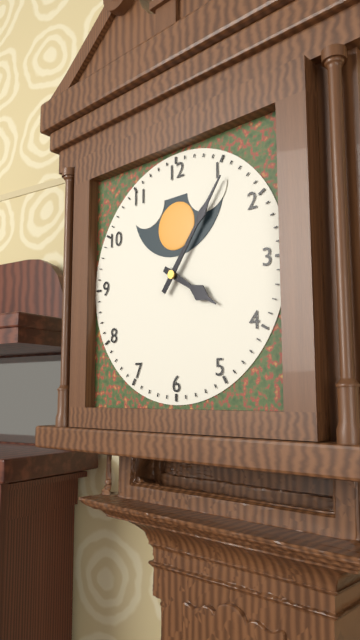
{"hour": 4, "minute": 6}
